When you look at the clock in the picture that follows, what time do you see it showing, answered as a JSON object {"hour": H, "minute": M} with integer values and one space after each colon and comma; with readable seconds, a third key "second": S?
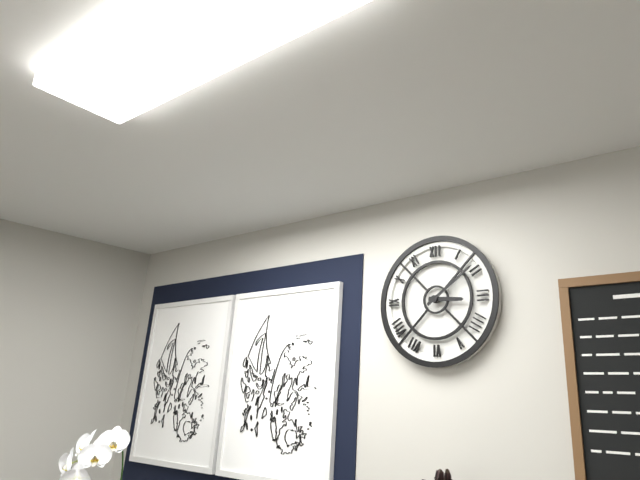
{"hour": 3, "minute": 9}
